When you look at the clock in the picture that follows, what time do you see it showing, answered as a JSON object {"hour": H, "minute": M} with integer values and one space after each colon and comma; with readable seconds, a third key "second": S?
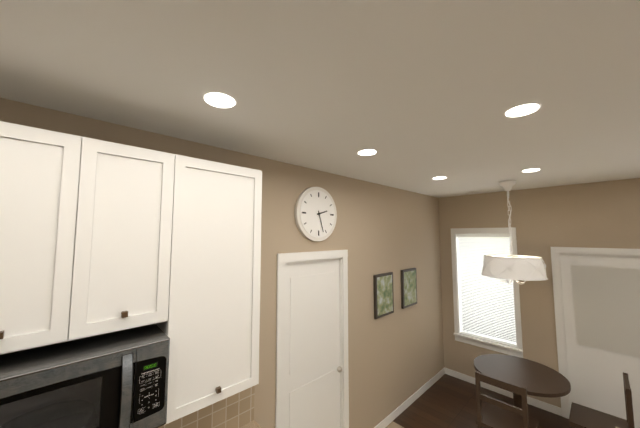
{"hour": 2, "minute": 27}
